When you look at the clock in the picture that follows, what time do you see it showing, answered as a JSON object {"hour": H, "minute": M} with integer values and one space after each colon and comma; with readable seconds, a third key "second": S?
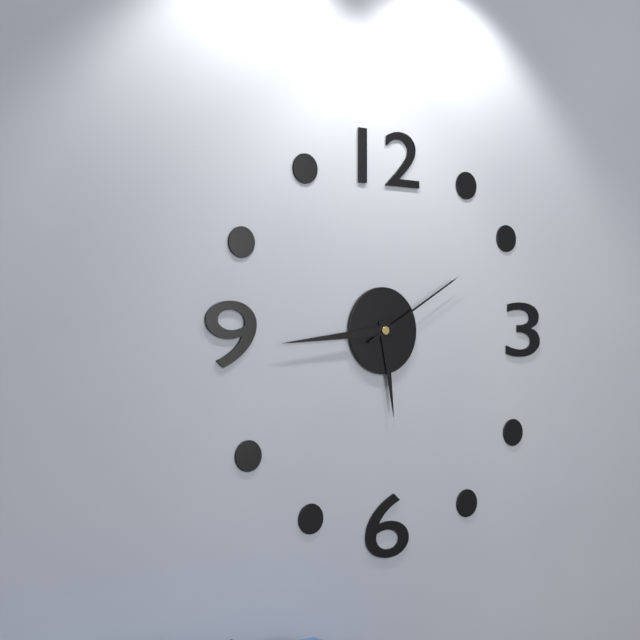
{"hour": 5, "minute": 44, "second": 10}
